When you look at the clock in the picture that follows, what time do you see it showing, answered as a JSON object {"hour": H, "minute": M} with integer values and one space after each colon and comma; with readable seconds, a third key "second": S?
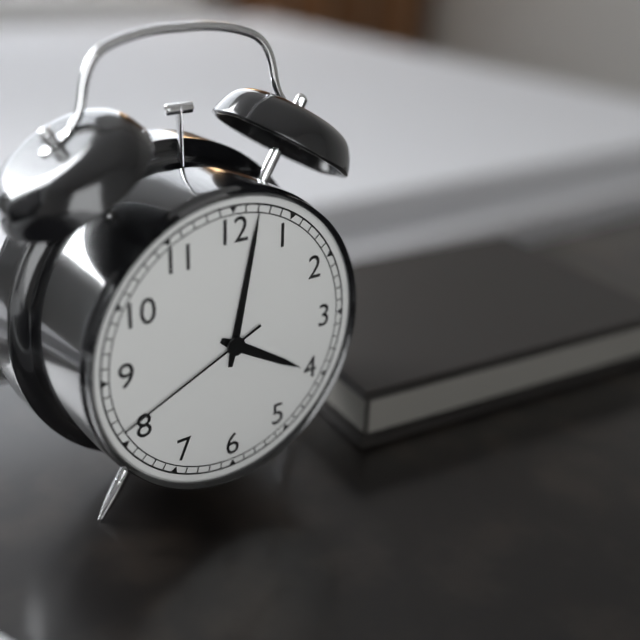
{"hour": 4, "minute": 2, "second": 41}
